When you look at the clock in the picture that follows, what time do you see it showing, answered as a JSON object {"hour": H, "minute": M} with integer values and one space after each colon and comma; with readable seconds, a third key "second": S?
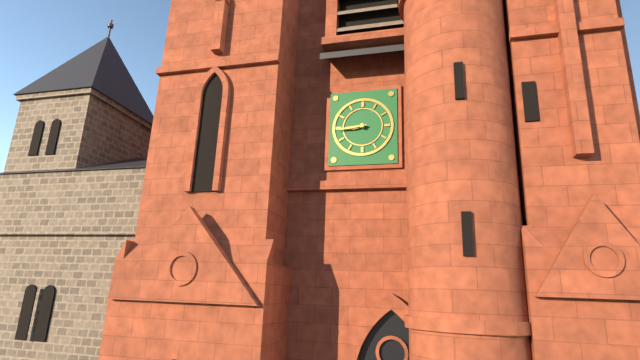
{"hour": 8, "minute": 44}
